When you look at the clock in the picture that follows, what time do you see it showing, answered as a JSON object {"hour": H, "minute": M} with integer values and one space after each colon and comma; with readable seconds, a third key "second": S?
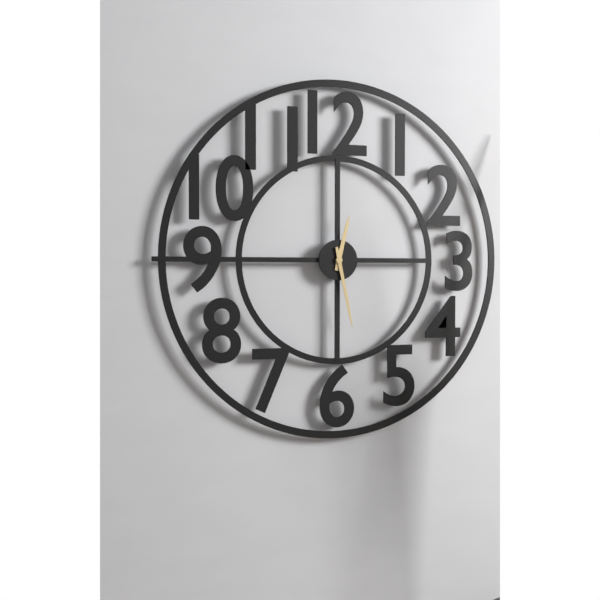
{"hour": 12, "minute": 28}
